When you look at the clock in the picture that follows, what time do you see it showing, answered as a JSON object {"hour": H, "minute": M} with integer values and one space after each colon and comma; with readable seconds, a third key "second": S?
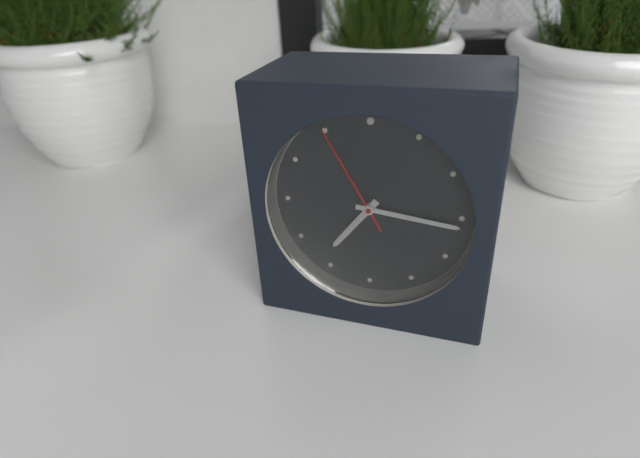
{"hour": 7, "minute": 16, "second": 55}
